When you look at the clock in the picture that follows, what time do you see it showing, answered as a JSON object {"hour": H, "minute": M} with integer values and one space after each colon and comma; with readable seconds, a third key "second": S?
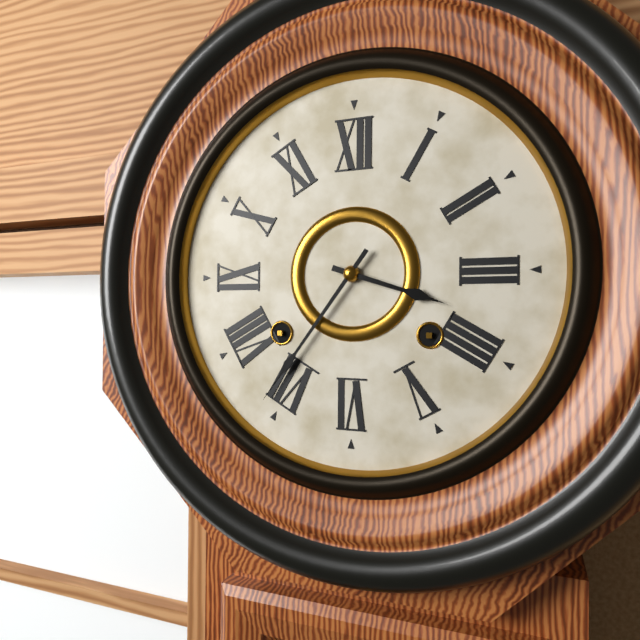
{"hour": 3, "minute": 36}
